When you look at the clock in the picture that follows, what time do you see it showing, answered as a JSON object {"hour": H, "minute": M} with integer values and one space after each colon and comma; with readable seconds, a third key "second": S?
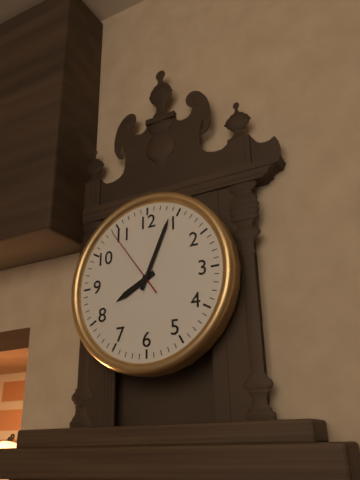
{"hour": 8, "minute": 4, "second": 54}
